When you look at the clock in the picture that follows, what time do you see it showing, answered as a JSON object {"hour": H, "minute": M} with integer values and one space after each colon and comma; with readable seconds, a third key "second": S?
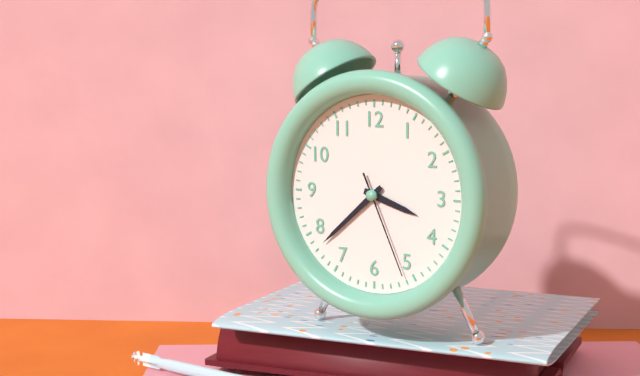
{"hour": 3, "minute": 38, "second": 26}
